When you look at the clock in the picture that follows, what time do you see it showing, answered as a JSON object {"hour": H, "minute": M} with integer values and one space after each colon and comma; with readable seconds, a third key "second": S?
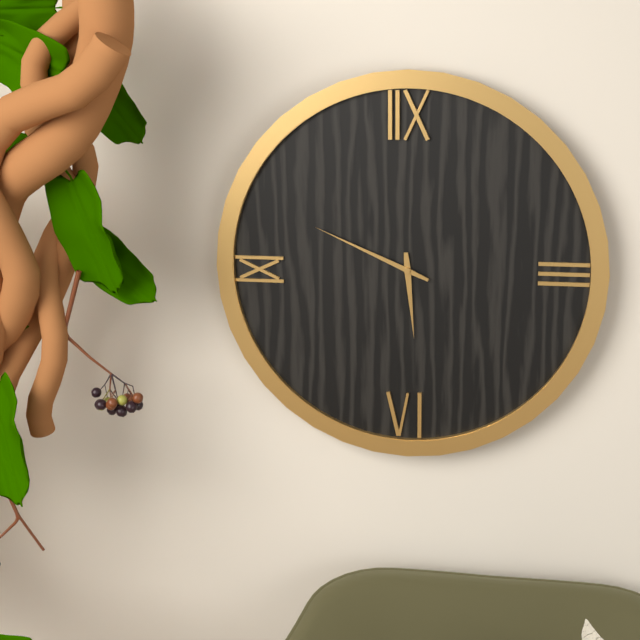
{"hour": 5, "minute": 49}
